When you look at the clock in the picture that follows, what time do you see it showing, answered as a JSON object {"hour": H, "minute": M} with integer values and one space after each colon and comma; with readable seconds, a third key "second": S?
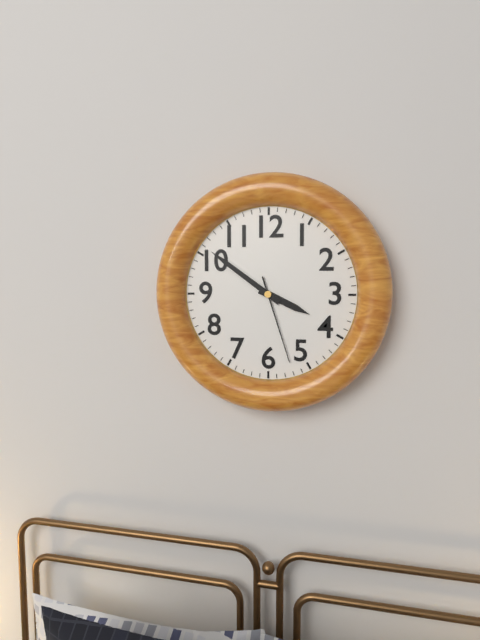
{"hour": 3, "minute": 51, "second": 27}
